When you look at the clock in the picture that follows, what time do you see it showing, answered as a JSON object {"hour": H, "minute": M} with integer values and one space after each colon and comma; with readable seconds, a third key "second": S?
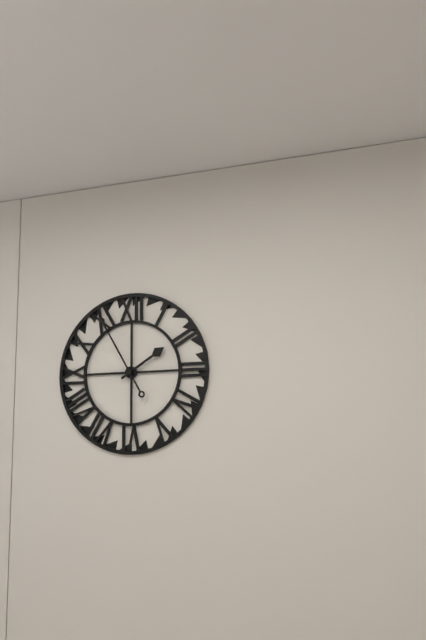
{"hour": 1, "minute": 55}
